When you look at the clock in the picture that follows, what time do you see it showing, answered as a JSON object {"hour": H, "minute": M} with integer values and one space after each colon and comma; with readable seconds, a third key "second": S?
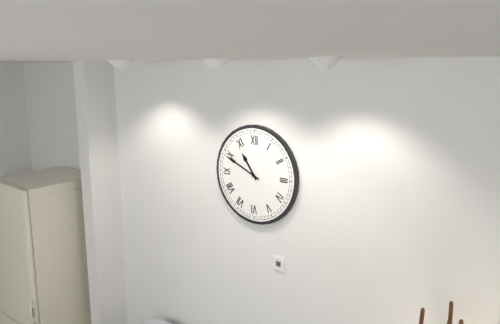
{"hour": 10, "minute": 49}
